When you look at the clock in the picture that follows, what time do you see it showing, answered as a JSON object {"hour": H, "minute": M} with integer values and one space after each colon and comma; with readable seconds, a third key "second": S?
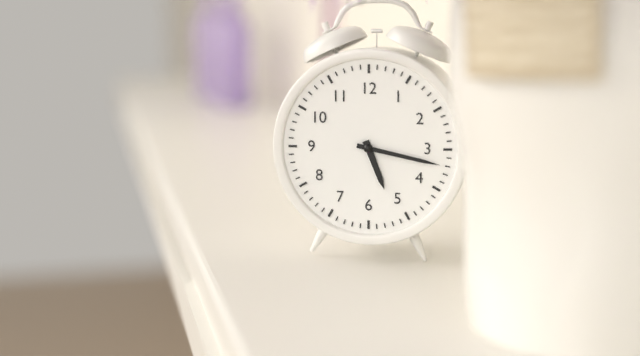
{"hour": 5, "minute": 17}
